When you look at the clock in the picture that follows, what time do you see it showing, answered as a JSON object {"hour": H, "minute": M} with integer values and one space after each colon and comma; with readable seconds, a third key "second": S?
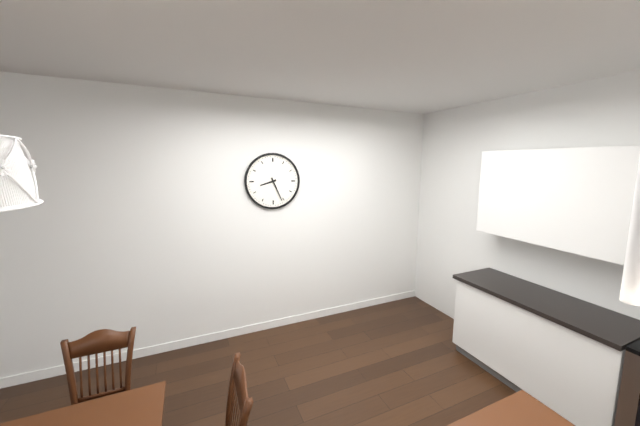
{"hour": 8, "minute": 26}
